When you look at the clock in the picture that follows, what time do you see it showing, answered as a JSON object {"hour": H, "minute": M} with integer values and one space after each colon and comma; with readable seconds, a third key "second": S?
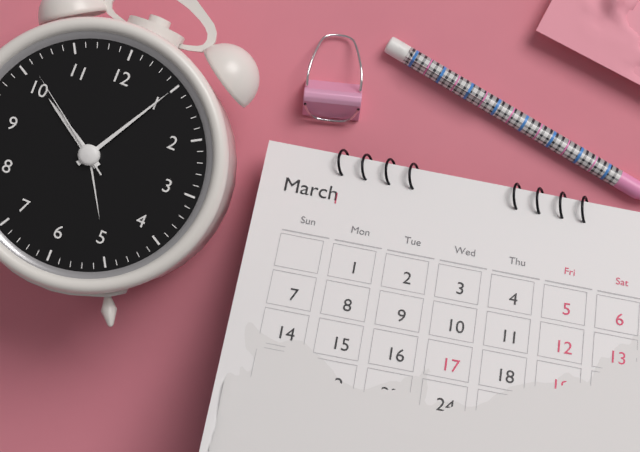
{"hour": 10, "minute": 5, "second": 51}
